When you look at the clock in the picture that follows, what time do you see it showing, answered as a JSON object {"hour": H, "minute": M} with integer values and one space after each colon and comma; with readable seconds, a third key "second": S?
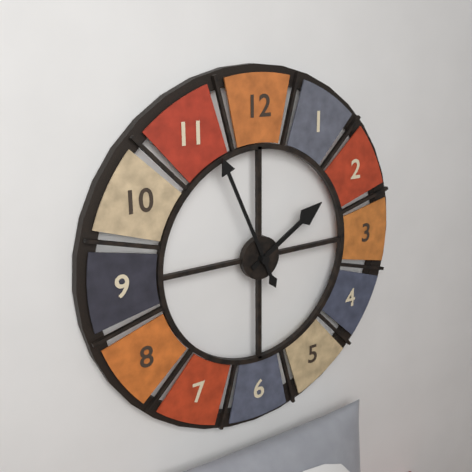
{"hour": 1, "minute": 56}
